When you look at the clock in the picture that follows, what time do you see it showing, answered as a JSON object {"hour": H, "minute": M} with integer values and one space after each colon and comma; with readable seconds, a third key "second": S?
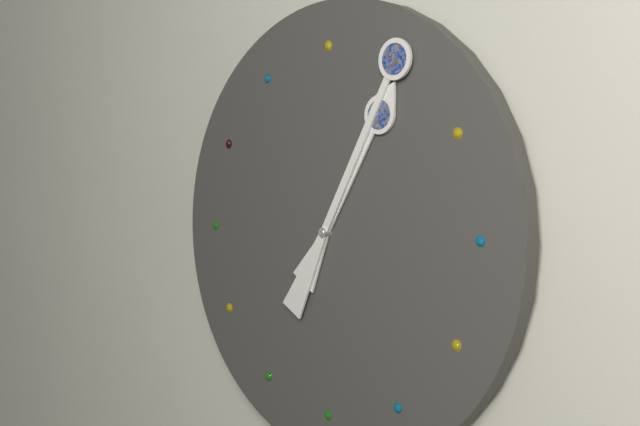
{"hour": 1, "minute": 5}
